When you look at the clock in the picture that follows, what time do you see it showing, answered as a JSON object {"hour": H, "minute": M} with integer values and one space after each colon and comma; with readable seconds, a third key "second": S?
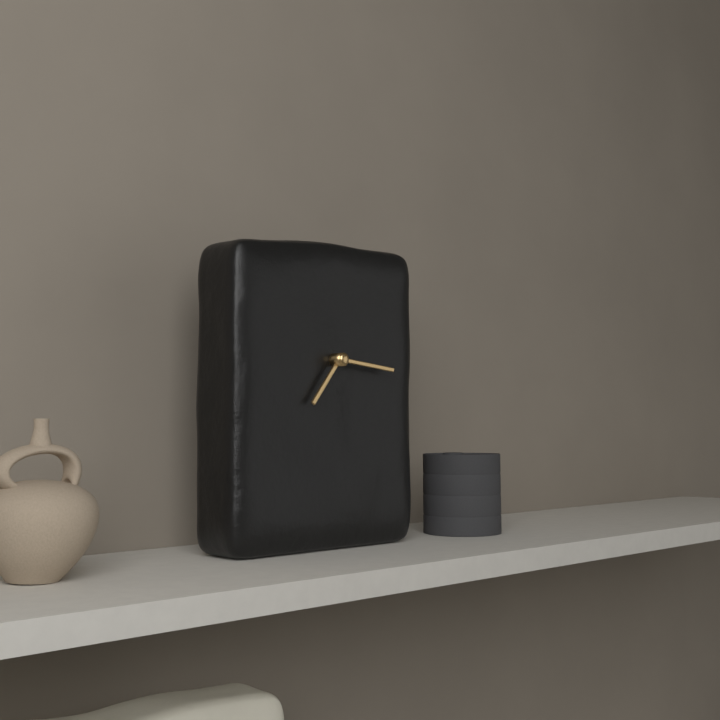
{"hour": 7, "minute": 16}
